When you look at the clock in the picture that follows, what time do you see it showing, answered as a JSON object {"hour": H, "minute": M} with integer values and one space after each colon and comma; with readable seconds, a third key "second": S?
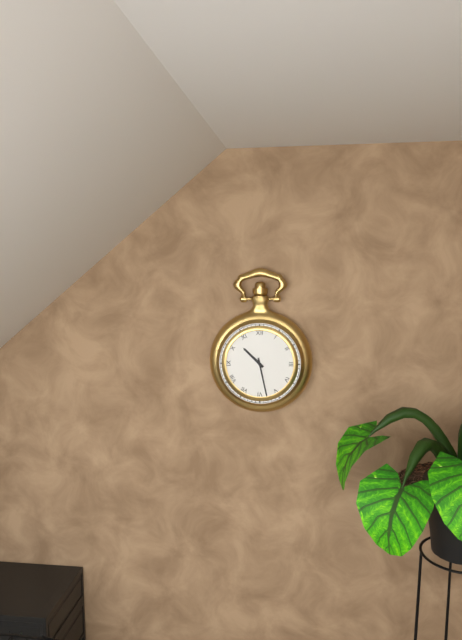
{"hour": 10, "minute": 28}
